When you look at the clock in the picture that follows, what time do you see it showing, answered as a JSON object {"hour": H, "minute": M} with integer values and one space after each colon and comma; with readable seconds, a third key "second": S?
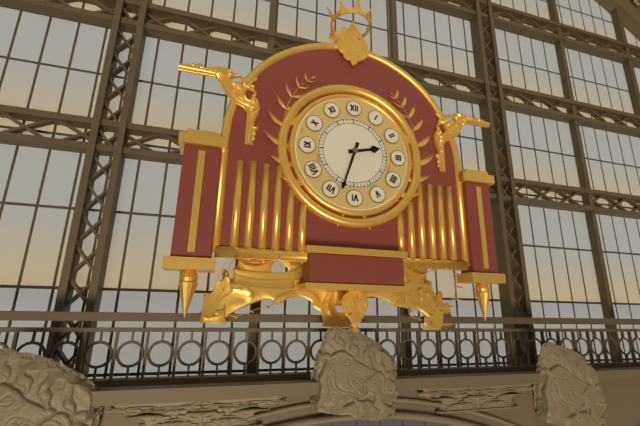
{"hour": 2, "minute": 33}
